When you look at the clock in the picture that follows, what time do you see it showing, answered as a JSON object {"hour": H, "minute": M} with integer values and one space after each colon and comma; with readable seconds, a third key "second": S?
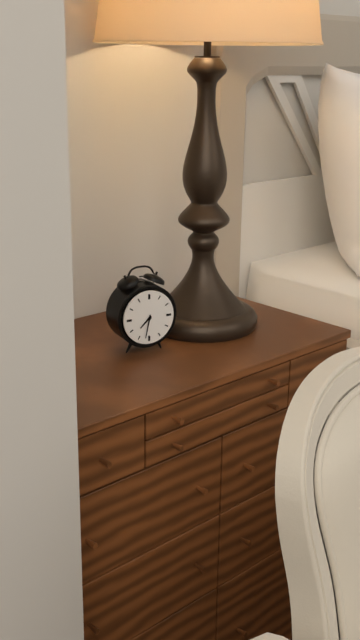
{"hour": 7, "minute": 32}
